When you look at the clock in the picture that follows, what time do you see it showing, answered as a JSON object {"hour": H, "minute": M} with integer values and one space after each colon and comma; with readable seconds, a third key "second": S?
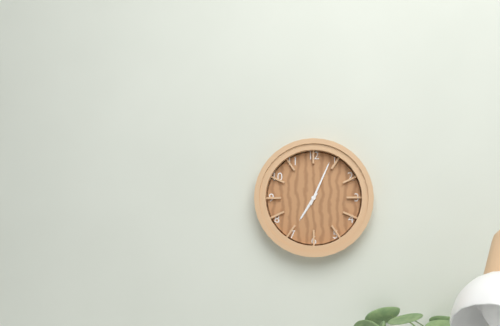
{"hour": 7, "minute": 4}
